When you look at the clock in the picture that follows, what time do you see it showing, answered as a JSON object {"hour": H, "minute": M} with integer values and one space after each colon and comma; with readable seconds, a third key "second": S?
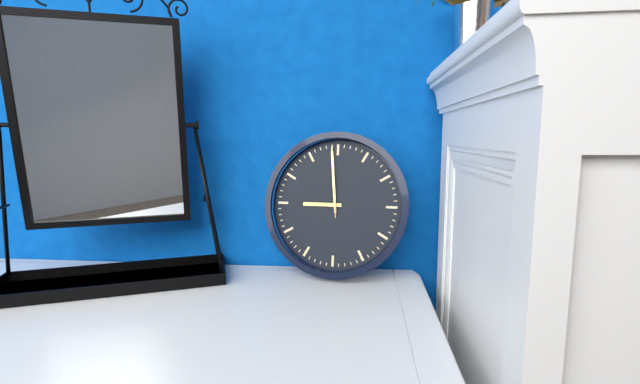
{"hour": 8, "minute": 59, "second": 59}
